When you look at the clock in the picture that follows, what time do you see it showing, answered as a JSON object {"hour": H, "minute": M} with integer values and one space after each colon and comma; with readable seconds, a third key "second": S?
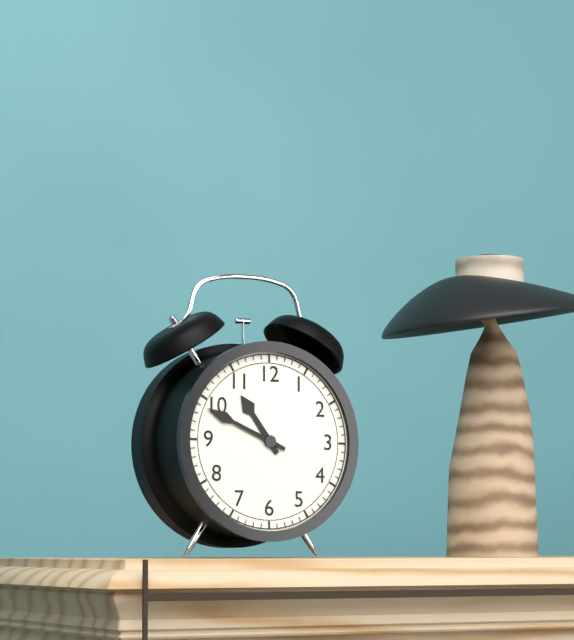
{"hour": 10, "minute": 49}
